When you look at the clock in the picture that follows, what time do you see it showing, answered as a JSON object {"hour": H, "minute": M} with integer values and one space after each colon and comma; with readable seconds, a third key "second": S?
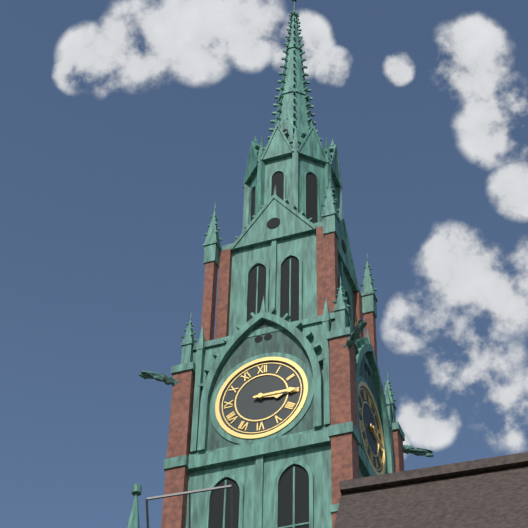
{"hour": 3, "minute": 15}
